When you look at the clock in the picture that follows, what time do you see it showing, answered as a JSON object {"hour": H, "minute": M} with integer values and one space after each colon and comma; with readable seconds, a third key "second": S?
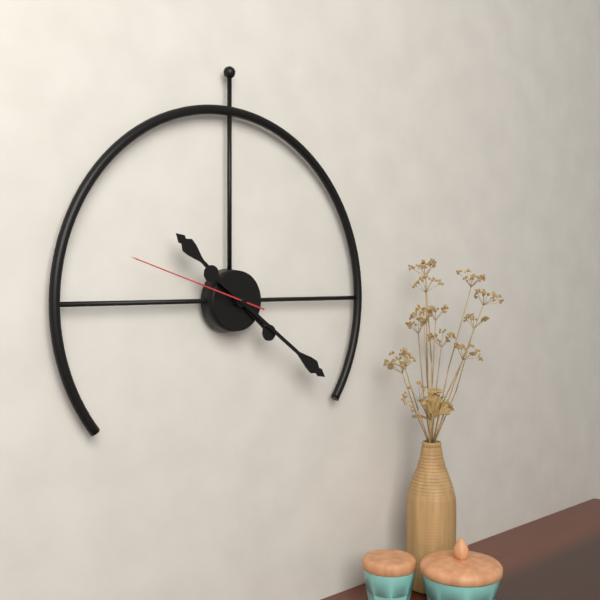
{"hour": 10, "minute": 21, "second": 48}
